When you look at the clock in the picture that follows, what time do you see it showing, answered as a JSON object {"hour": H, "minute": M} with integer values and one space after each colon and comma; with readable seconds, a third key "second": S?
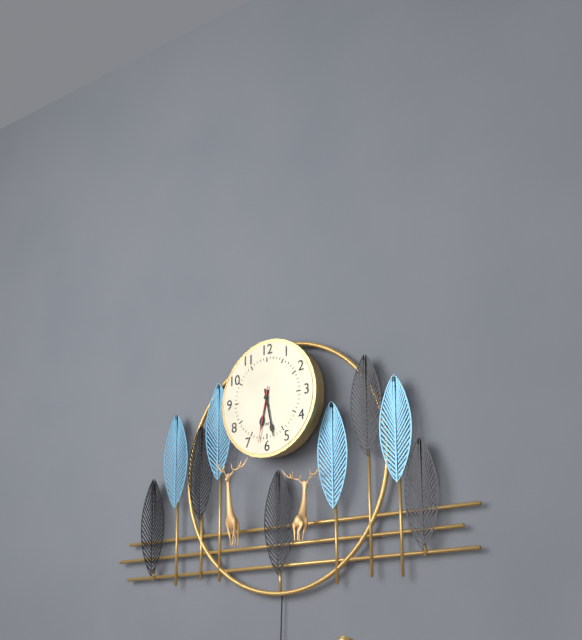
{"hour": 6, "minute": 28, "second": 32}
